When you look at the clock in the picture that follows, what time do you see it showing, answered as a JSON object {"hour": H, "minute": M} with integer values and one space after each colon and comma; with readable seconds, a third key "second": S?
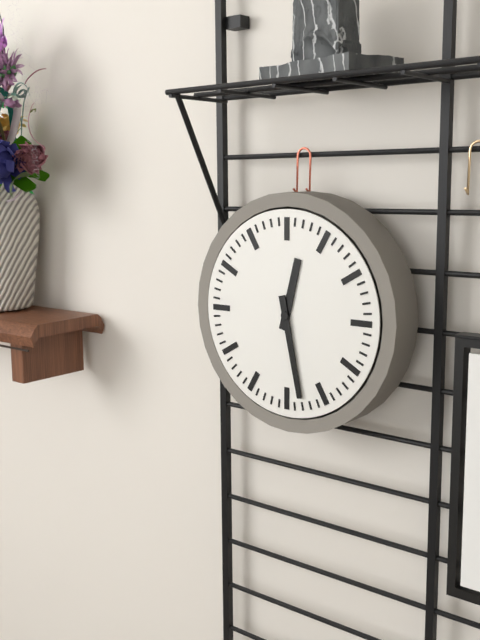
{"hour": 12, "minute": 28}
